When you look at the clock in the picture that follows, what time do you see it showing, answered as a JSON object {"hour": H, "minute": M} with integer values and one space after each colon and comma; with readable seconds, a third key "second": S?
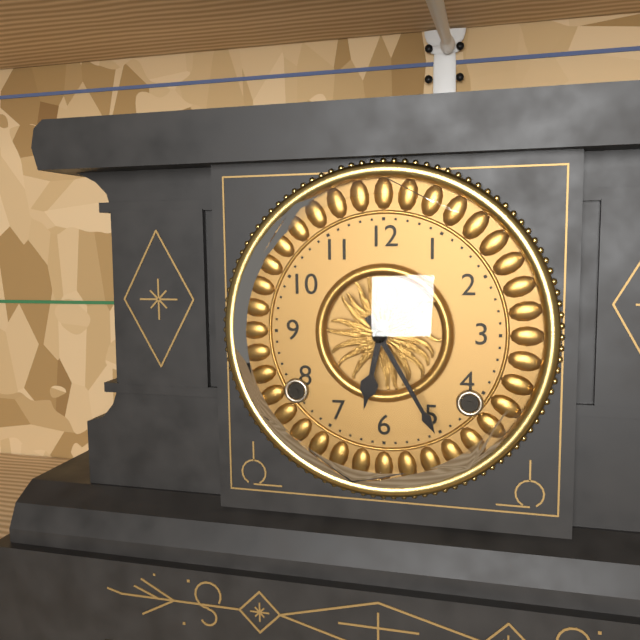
{"hour": 6, "minute": 25}
